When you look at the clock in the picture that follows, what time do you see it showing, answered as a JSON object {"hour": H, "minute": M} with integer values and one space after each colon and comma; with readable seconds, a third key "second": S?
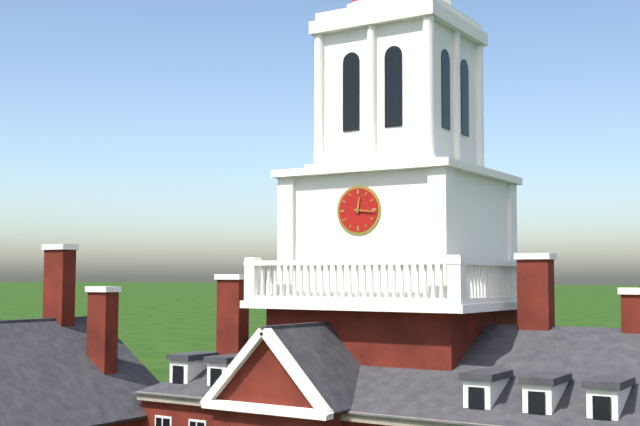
{"hour": 12, "minute": 16}
